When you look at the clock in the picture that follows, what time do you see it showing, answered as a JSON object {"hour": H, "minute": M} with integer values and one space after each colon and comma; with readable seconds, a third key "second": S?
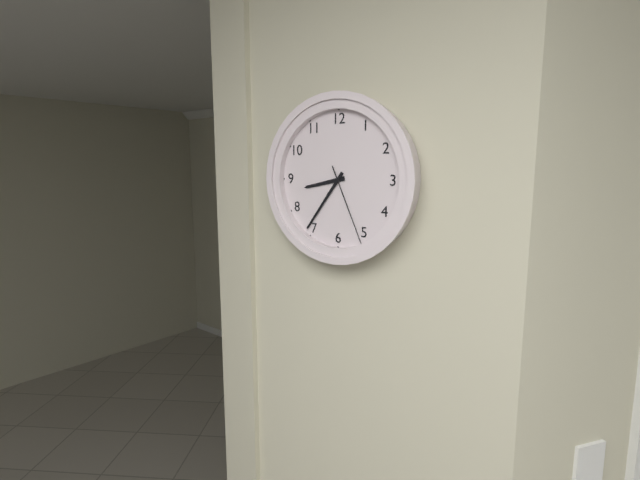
{"hour": 8, "minute": 36, "second": 26}
